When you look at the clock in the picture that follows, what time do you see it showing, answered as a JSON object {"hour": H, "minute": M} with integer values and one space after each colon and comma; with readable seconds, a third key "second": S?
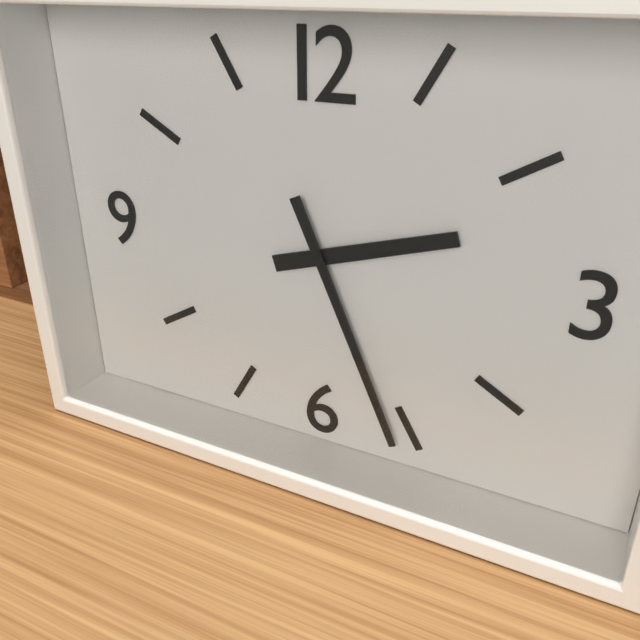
{"hour": 2, "minute": 26}
